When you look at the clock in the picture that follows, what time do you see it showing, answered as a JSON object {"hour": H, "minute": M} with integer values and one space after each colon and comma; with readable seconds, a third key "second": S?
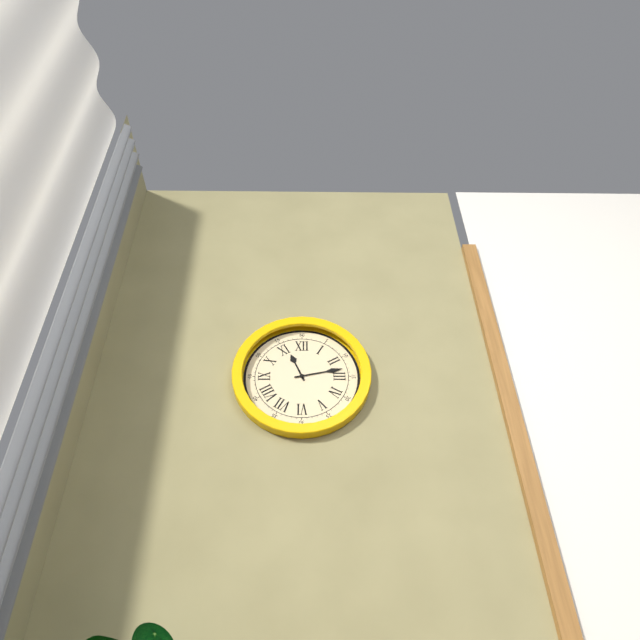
{"hour": 11, "minute": 13}
